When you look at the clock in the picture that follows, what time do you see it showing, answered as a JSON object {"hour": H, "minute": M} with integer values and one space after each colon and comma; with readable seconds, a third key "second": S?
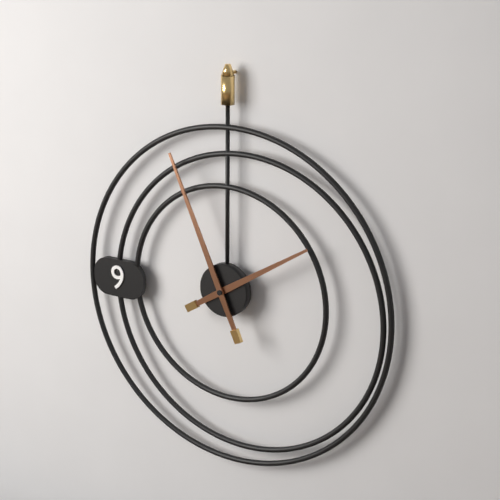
{"hour": 1, "minute": 56}
